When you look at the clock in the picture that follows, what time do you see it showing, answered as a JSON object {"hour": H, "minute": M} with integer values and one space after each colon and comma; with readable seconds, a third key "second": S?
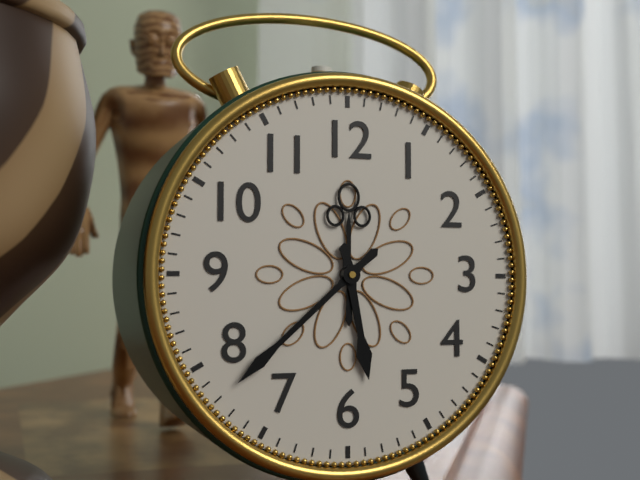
{"hour": 5, "minute": 38}
